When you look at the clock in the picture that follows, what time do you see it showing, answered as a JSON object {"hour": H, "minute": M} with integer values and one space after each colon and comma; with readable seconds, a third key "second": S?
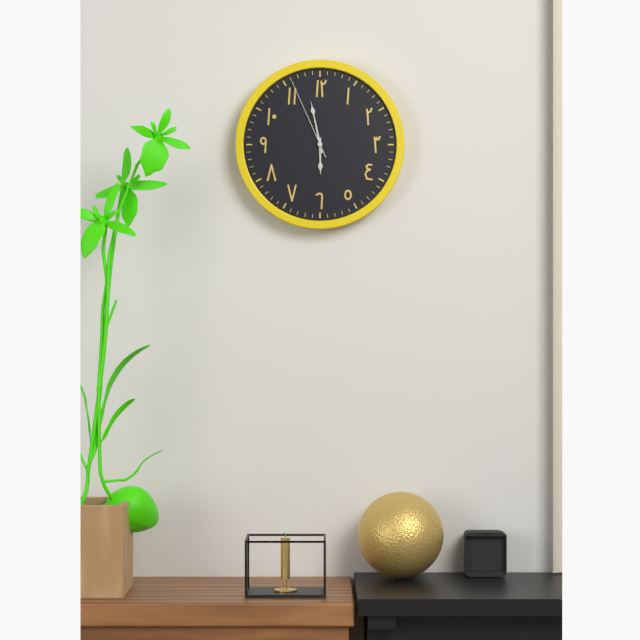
{"hour": 5, "minute": 58, "second": 56}
